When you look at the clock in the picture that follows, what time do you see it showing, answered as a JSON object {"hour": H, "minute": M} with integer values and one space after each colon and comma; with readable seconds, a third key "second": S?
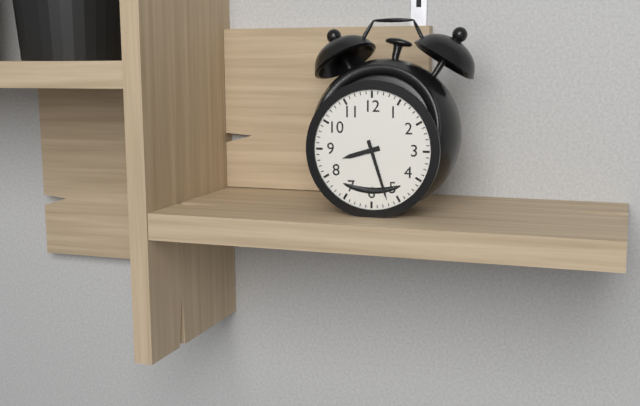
{"hour": 8, "minute": 27}
